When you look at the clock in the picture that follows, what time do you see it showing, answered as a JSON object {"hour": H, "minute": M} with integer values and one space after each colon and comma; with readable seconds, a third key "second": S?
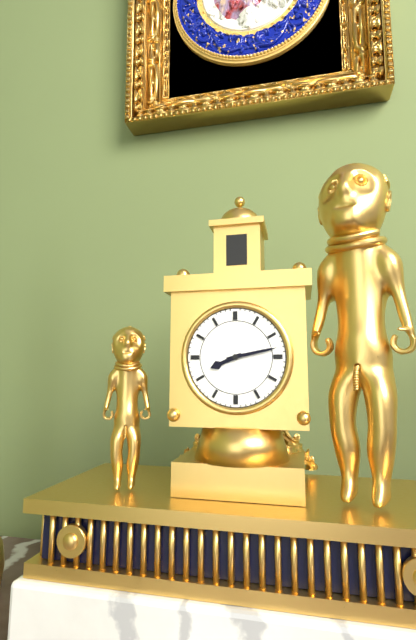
{"hour": 8, "minute": 13}
